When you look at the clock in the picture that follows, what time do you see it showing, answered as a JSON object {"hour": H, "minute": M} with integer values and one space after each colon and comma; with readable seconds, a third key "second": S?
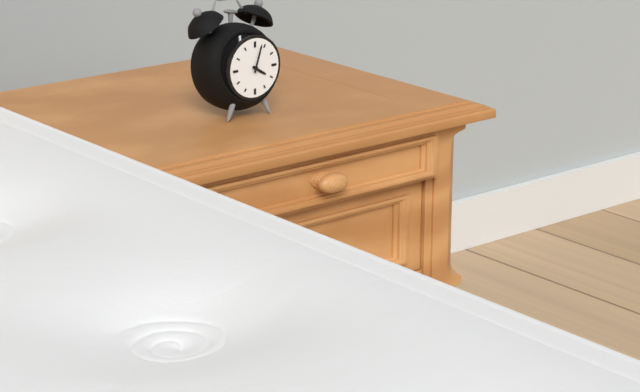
{"hour": 4, "minute": 3}
